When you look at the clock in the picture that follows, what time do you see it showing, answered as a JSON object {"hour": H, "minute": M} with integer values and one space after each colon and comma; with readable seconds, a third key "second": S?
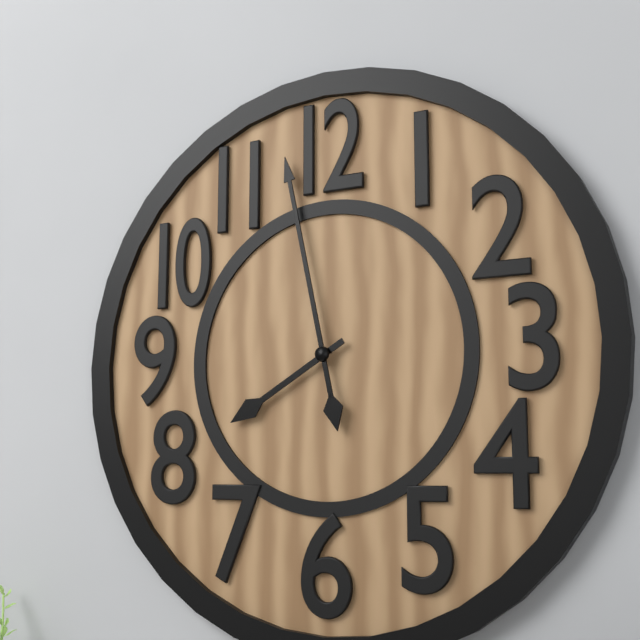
{"hour": 7, "minute": 58}
